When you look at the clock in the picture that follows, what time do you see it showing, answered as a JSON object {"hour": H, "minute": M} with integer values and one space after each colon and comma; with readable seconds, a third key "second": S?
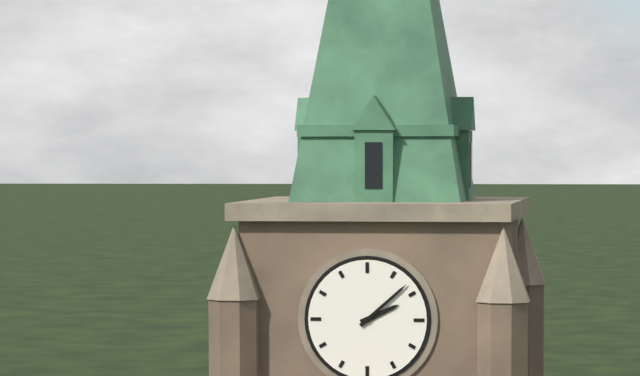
{"hour": 2, "minute": 8}
